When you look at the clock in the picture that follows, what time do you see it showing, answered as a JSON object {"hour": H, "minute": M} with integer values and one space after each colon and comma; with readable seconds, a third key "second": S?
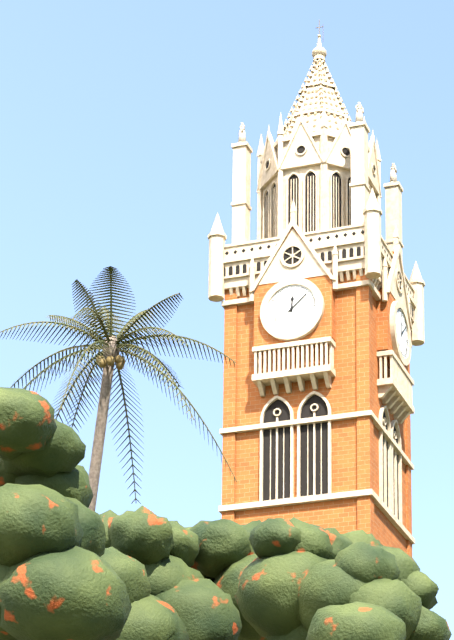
{"hour": 12, "minute": 8}
